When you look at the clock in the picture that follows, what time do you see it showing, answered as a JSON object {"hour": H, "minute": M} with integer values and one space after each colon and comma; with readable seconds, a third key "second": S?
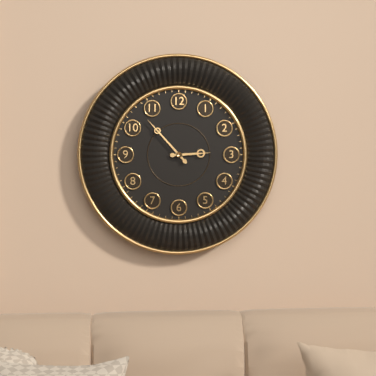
{"hour": 2, "minute": 53}
